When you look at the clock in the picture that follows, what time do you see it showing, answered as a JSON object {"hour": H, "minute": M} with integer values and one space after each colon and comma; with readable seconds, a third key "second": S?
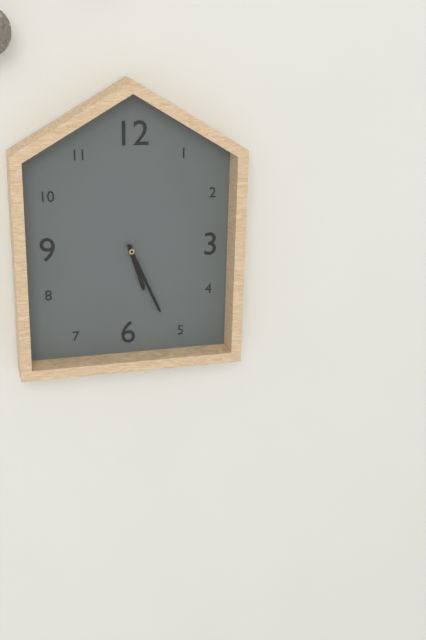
{"hour": 5, "minute": 26}
